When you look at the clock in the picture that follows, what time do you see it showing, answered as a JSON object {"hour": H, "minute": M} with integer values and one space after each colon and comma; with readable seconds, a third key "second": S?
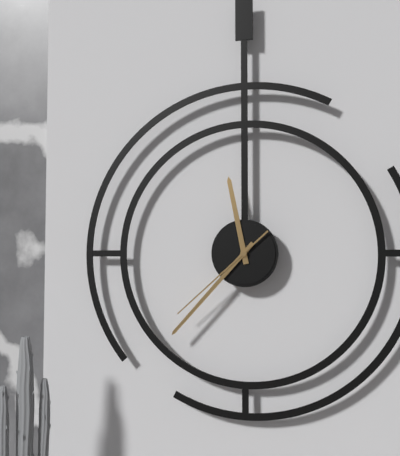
{"hour": 11, "minute": 37, "second": 38}
